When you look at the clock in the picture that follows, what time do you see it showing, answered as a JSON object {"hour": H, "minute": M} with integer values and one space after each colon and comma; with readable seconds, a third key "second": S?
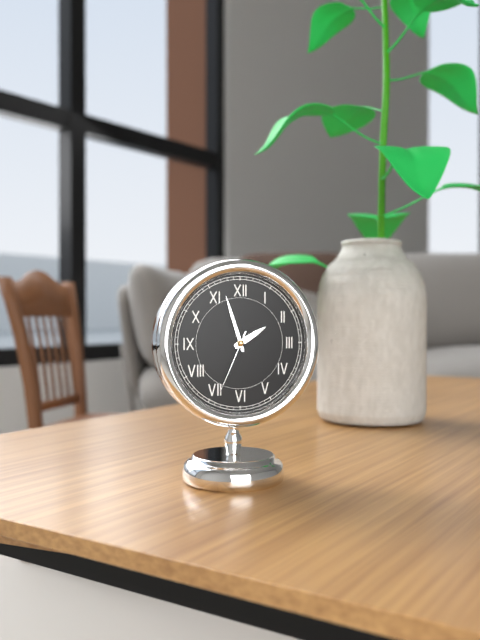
{"hour": 1, "minute": 57, "second": 34}
